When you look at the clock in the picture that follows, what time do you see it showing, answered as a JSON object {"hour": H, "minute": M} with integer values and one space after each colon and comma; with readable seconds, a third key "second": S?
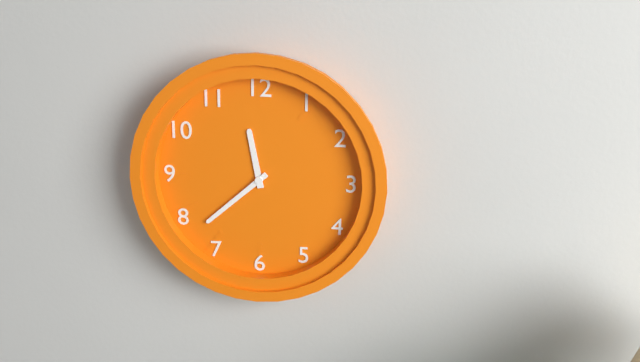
{"hour": 11, "minute": 38}
